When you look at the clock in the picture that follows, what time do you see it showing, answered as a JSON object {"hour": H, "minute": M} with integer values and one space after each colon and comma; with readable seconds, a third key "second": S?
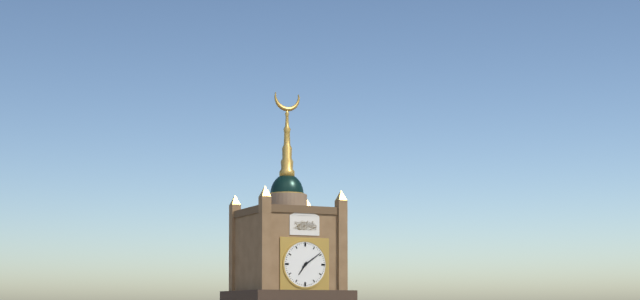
{"hour": 7, "minute": 9}
